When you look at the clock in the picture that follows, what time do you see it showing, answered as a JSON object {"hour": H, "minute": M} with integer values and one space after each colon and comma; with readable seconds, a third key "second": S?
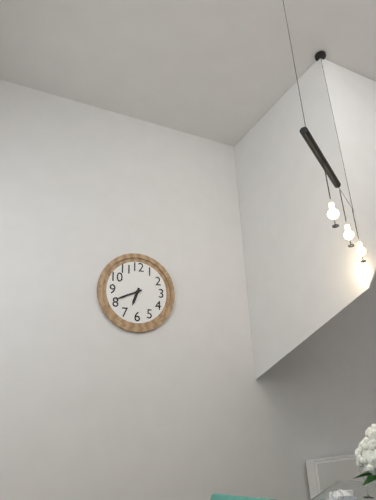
{"hour": 6, "minute": 41}
